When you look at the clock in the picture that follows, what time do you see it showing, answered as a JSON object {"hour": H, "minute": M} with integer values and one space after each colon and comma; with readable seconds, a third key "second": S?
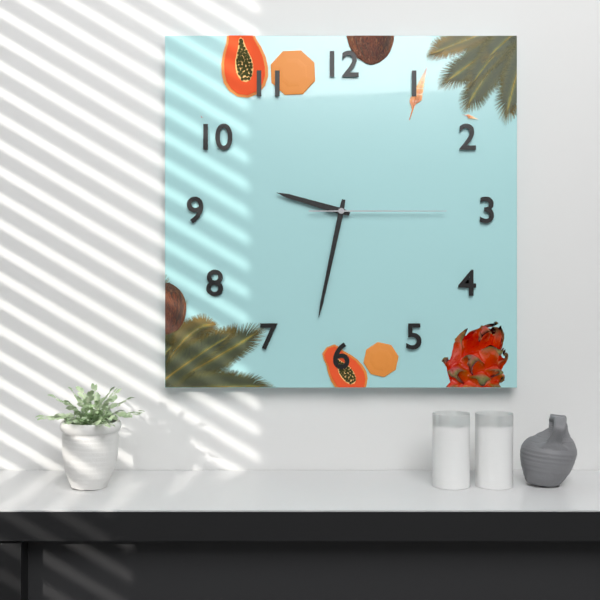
{"hour": 9, "minute": 32, "second": 15}
